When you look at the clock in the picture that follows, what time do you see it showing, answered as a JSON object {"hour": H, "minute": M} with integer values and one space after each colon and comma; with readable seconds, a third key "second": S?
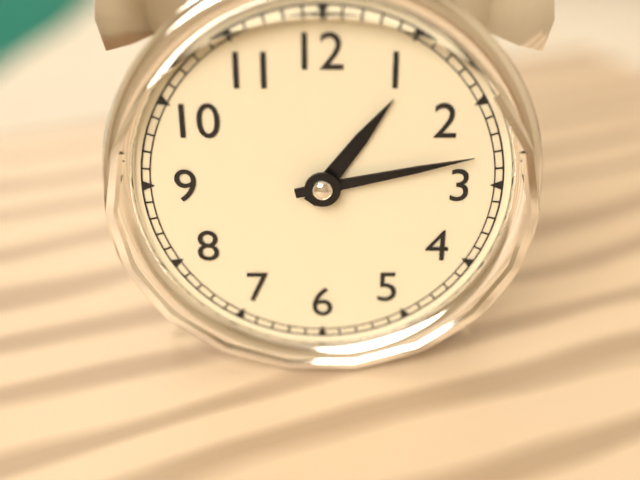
{"hour": 1, "minute": 13}
